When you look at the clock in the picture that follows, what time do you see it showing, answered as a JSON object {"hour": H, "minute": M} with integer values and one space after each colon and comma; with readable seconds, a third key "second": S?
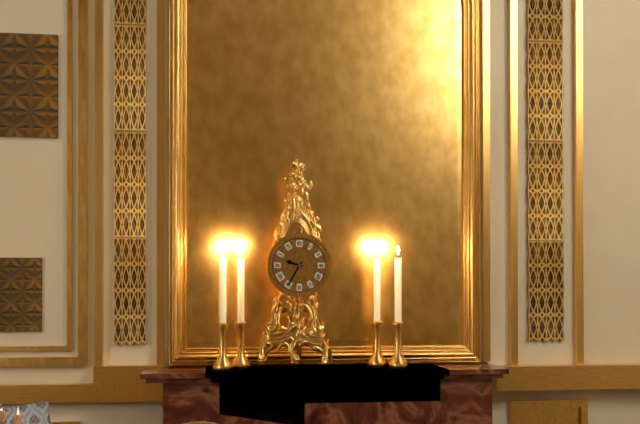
{"hour": 9, "minute": 35}
